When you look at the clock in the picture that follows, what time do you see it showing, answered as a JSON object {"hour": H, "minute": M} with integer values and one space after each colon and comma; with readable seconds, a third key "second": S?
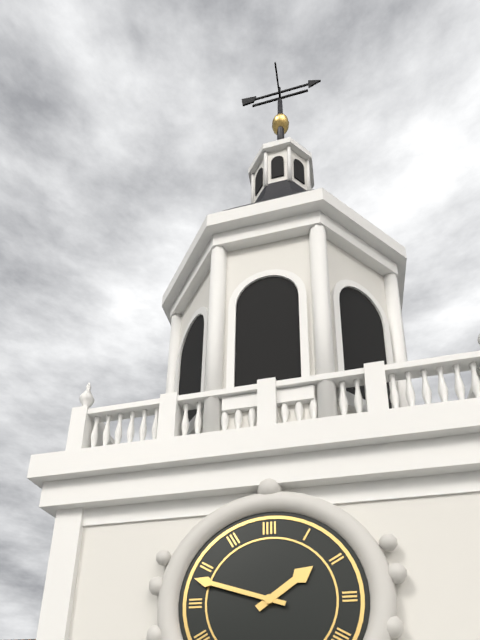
{"hour": 1, "minute": 48}
